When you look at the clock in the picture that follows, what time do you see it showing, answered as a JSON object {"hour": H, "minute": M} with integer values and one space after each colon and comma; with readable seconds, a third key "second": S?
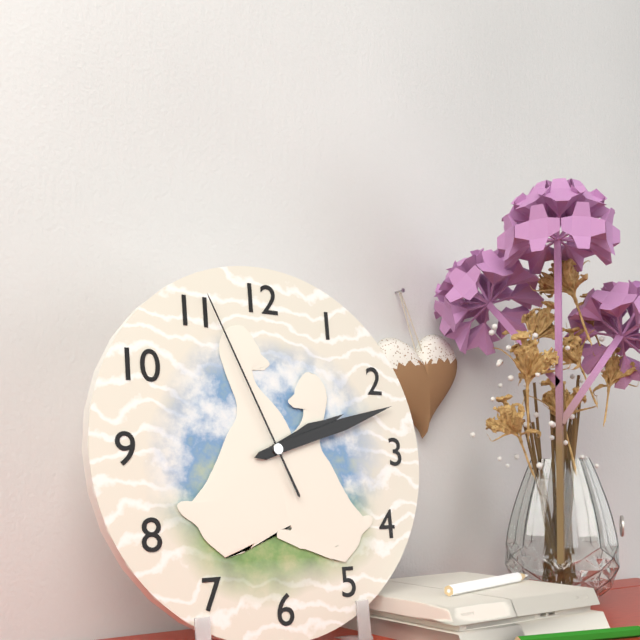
{"hour": 2, "minute": 12, "second": 56}
